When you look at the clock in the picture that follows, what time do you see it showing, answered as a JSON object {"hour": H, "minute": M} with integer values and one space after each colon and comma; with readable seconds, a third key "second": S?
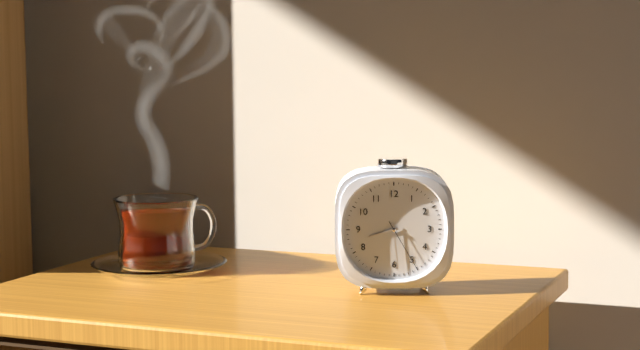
{"hour": 8, "minute": 29, "second": 25}
